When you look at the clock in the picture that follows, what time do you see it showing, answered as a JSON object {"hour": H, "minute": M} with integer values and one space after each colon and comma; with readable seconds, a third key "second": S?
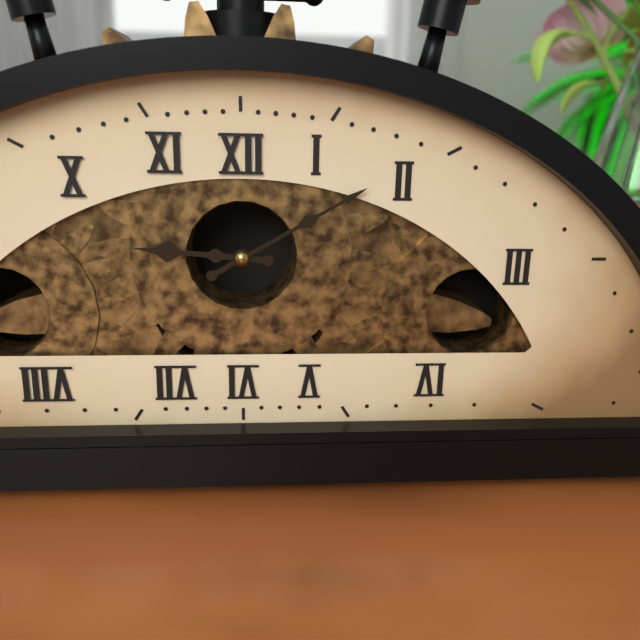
{"hour": 9, "minute": 10}
